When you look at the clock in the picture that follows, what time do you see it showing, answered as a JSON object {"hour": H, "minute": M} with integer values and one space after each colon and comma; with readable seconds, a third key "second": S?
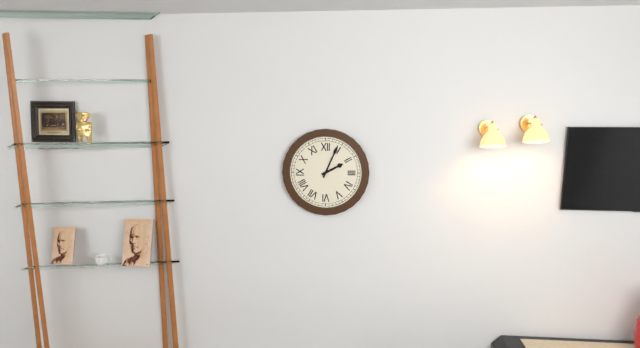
{"hour": 2, "minute": 4}
